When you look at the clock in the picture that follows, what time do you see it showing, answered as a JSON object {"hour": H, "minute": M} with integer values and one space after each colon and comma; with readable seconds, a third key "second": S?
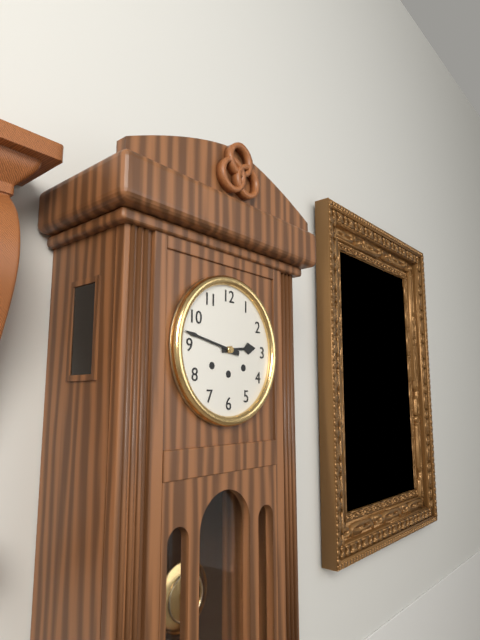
{"hour": 2, "minute": 47}
